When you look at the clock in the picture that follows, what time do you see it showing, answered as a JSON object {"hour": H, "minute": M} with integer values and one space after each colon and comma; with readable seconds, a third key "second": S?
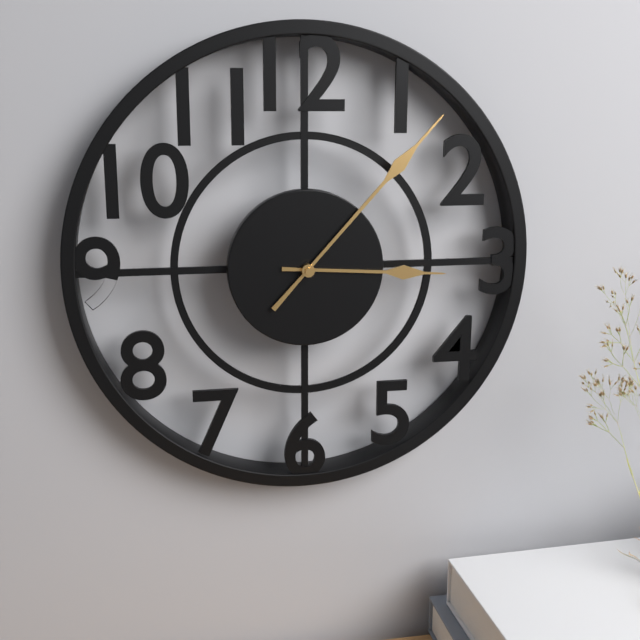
{"hour": 3, "minute": 7}
